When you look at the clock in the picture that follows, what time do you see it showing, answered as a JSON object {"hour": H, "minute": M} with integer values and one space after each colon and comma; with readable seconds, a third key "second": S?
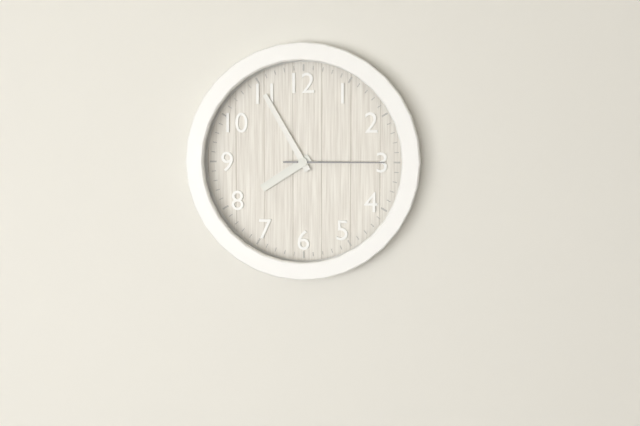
{"hour": 7, "minute": 55, "second": 15}
